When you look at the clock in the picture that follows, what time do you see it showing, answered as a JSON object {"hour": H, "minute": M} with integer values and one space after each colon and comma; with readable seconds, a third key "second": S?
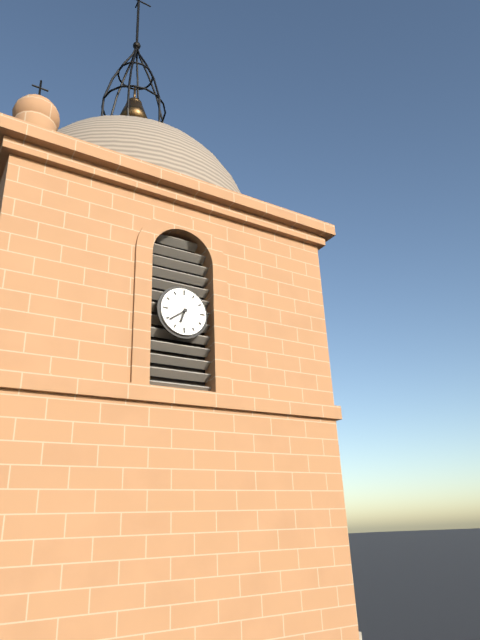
{"hour": 6, "minute": 39}
